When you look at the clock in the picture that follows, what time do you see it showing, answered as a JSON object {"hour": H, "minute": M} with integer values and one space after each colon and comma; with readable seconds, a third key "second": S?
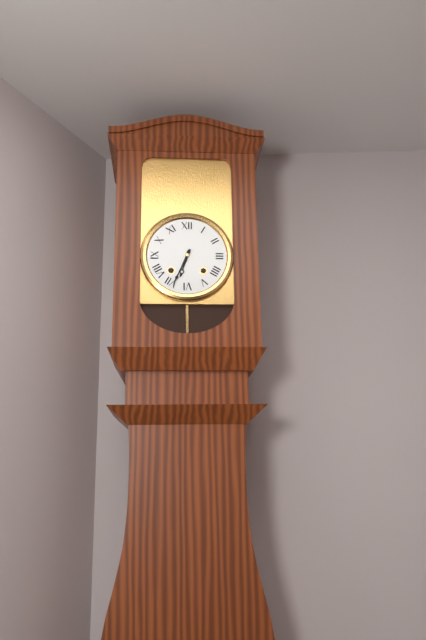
{"hour": 6, "minute": 34}
